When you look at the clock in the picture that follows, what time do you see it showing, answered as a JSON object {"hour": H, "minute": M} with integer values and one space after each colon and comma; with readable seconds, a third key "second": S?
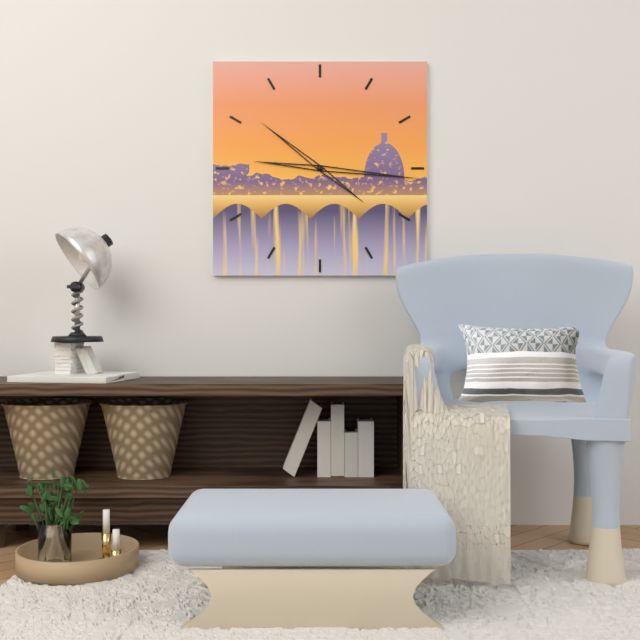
{"hour": 10, "minute": 16}
